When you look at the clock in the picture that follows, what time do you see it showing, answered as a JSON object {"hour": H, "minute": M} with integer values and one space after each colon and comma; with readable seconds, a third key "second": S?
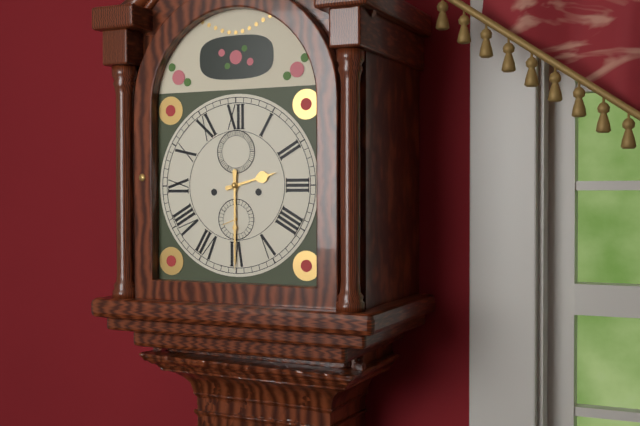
{"hour": 2, "minute": 30}
